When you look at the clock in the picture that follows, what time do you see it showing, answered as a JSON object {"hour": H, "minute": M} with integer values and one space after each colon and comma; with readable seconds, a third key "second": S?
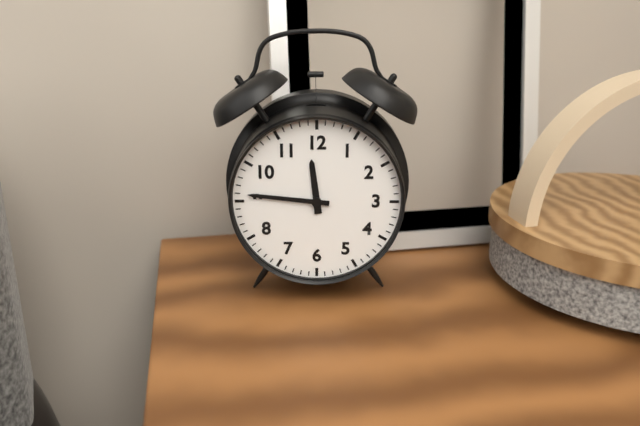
{"hour": 11, "minute": 46}
